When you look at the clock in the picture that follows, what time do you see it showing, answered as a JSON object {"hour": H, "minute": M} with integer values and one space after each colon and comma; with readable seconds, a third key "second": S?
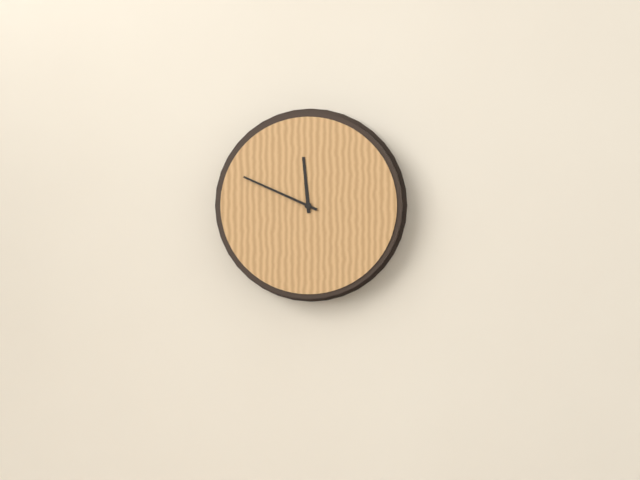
{"hour": 11, "minute": 49}
